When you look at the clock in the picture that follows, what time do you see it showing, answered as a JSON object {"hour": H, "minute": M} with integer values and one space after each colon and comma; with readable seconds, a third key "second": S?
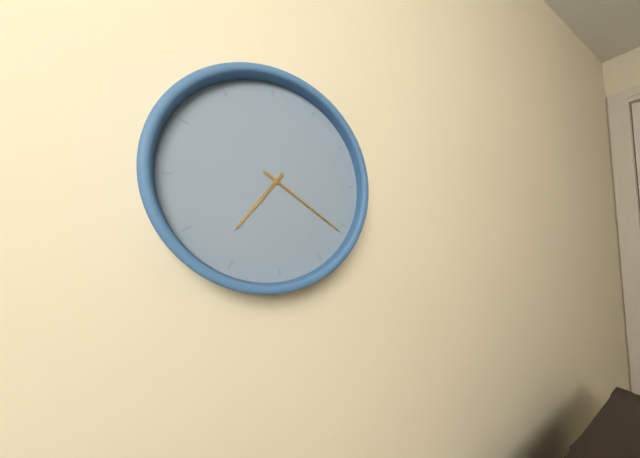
{"hour": 7, "minute": 21}
